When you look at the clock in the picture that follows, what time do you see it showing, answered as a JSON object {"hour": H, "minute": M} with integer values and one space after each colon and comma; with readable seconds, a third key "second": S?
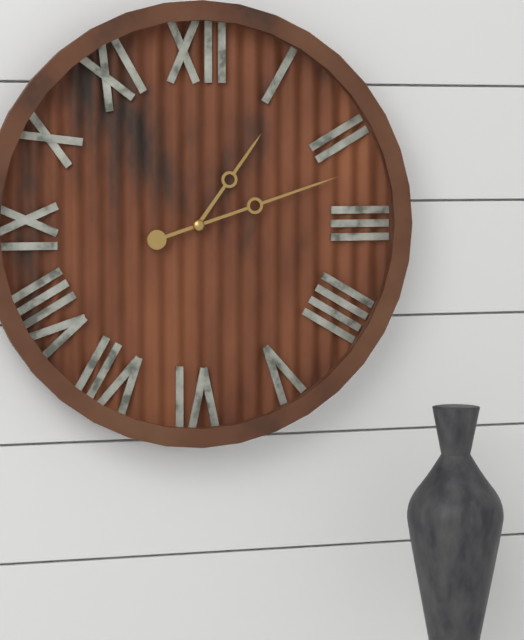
{"hour": 1, "minute": 12}
